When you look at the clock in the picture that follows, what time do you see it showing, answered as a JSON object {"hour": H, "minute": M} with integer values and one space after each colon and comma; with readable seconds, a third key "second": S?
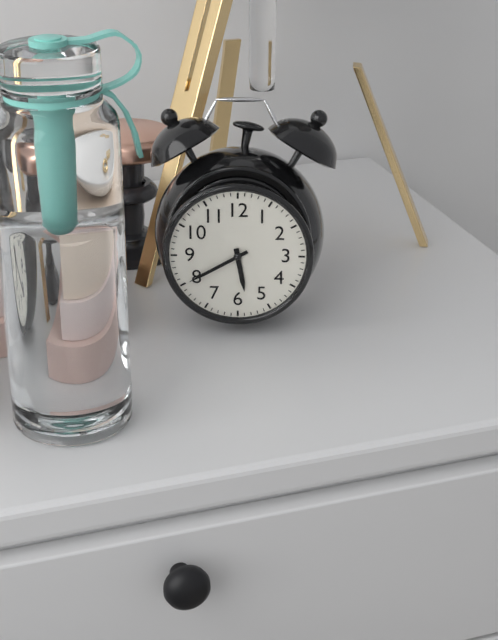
{"hour": 5, "minute": 40}
